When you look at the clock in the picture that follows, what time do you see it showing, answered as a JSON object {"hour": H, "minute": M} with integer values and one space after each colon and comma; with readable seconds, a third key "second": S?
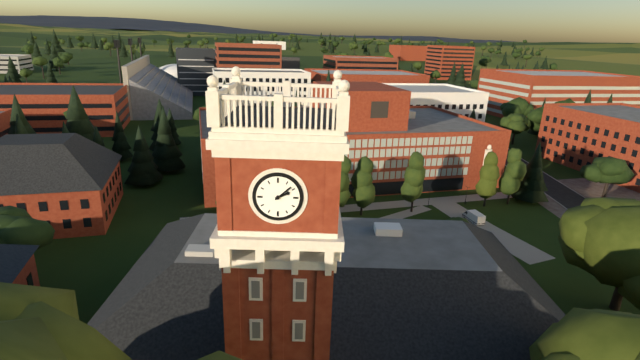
{"hour": 2, "minute": 8}
